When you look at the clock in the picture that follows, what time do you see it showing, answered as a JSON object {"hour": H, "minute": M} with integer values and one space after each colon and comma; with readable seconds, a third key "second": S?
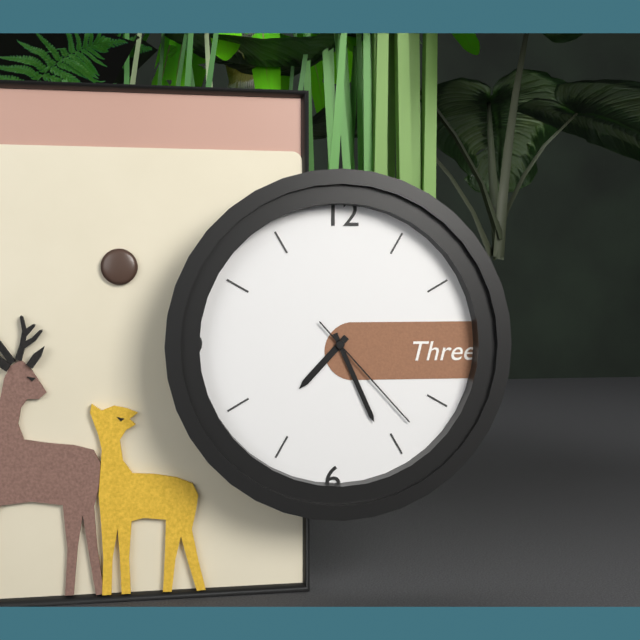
{"hour": 7, "minute": 26, "second": 23}
